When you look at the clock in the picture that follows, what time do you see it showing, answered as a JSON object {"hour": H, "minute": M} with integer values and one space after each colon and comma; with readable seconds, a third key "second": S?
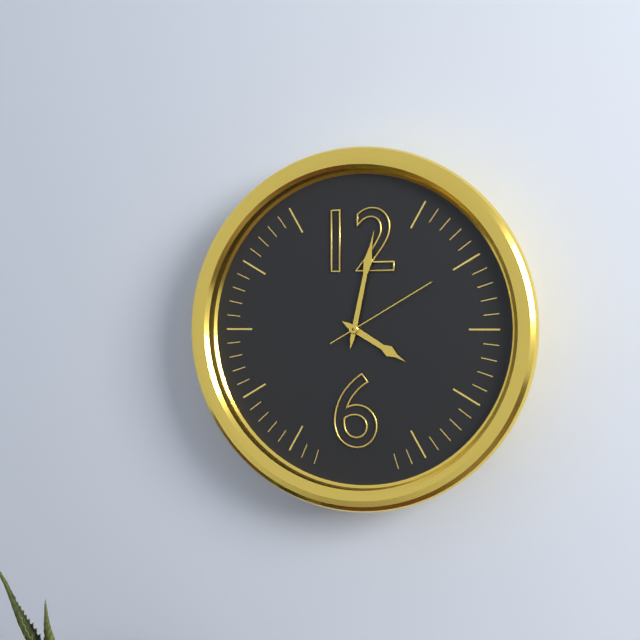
{"hour": 4, "minute": 2, "second": 10}
